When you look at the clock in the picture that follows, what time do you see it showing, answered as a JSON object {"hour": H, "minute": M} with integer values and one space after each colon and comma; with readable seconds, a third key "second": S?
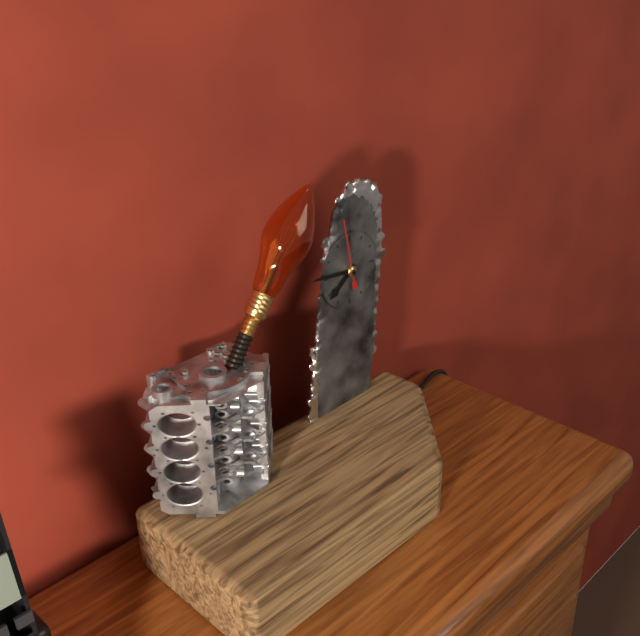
{"hour": 7, "minute": 46, "second": 58}
